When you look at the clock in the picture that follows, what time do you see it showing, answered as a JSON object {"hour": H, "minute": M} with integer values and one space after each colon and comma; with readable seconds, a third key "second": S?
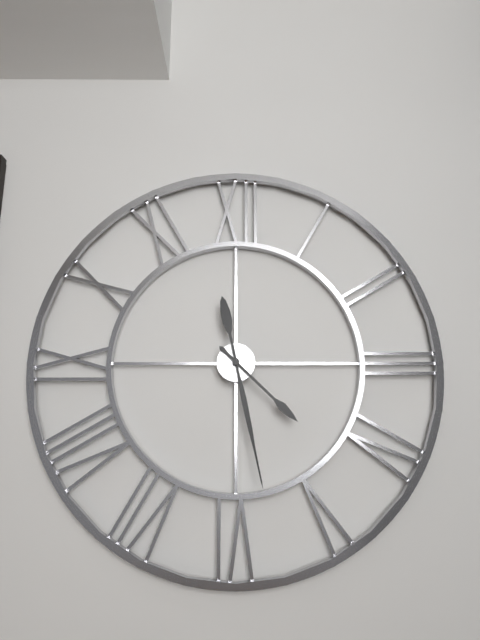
{"hour": 4, "minute": 28}
